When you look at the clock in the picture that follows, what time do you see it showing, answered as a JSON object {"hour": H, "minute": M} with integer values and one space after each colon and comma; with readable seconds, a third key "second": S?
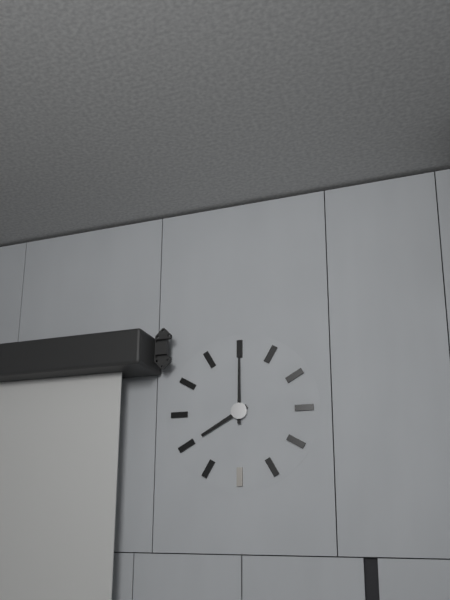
{"hour": 8, "minute": 0}
